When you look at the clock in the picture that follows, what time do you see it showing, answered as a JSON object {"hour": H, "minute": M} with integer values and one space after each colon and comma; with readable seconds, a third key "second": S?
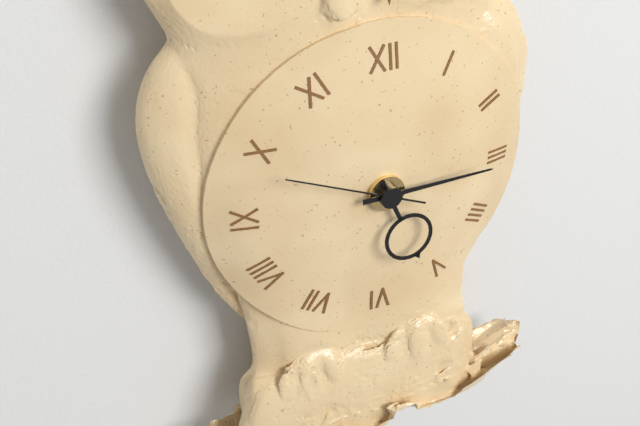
{"hour": 5, "minute": 15, "second": 49}
